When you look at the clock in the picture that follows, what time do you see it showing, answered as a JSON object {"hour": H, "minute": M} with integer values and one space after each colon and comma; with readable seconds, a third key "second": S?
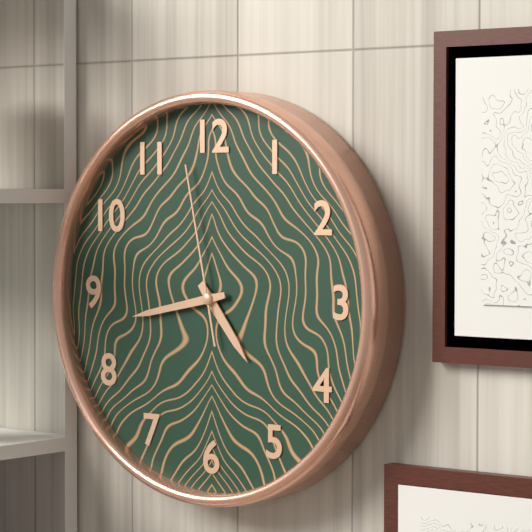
{"hour": 4, "minute": 43, "second": 58}
